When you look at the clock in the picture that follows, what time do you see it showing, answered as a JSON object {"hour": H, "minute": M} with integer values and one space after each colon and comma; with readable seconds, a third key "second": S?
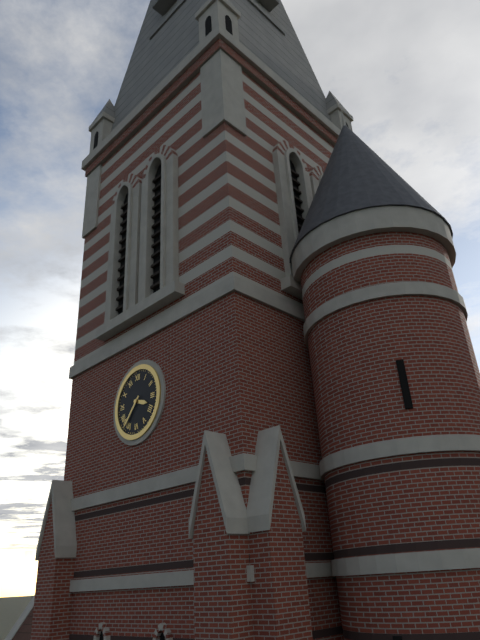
{"hour": 3, "minute": 37}
